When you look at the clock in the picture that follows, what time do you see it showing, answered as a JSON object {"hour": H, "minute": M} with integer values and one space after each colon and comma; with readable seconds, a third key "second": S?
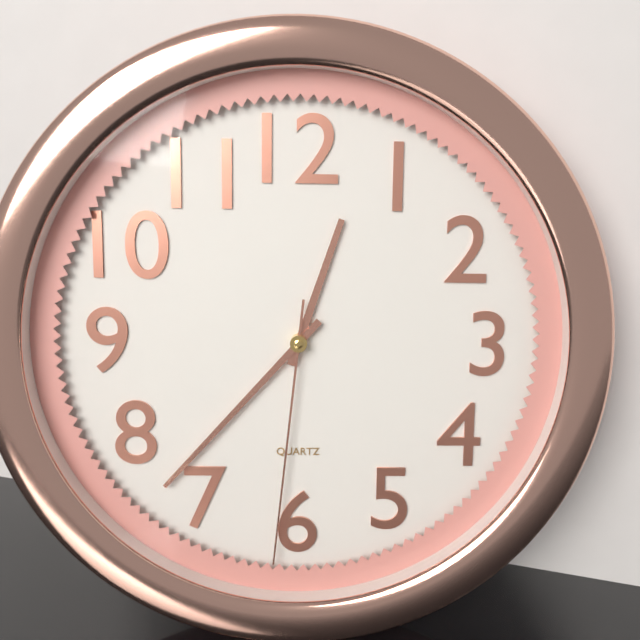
{"hour": 12, "minute": 37, "second": 31}
